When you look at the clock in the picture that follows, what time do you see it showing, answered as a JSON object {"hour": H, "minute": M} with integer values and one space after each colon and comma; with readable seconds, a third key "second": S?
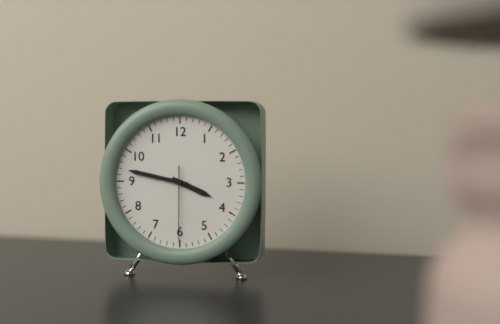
{"hour": 3, "minute": 47, "second": 30}
